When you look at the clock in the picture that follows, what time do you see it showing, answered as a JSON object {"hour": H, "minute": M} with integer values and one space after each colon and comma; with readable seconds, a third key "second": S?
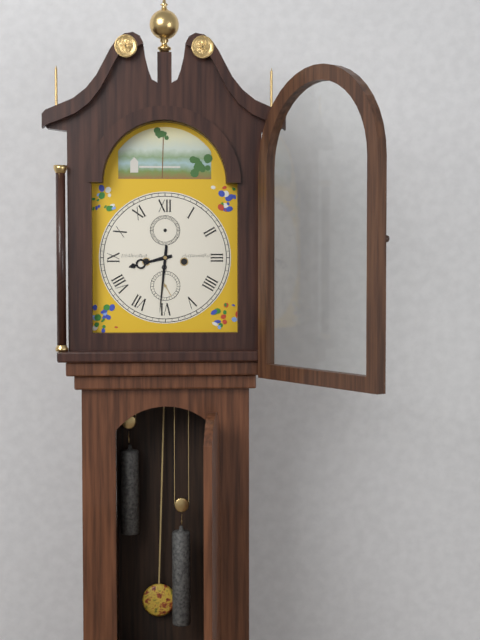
{"hour": 8, "minute": 31}
